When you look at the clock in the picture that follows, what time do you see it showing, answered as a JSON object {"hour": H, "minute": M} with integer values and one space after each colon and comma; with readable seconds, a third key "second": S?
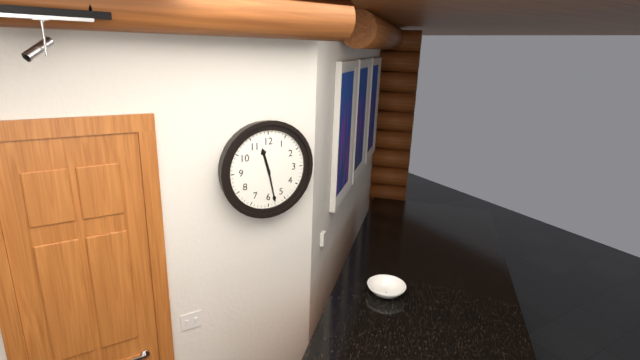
{"hour": 11, "minute": 28}
